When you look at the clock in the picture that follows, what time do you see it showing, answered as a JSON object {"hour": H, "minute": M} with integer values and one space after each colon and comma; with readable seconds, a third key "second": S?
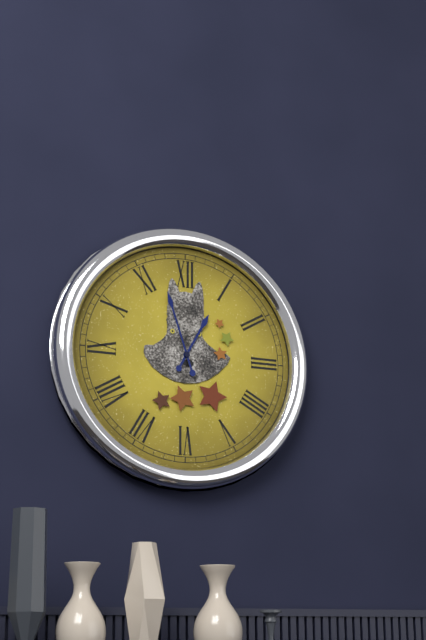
{"hour": 12, "minute": 57}
